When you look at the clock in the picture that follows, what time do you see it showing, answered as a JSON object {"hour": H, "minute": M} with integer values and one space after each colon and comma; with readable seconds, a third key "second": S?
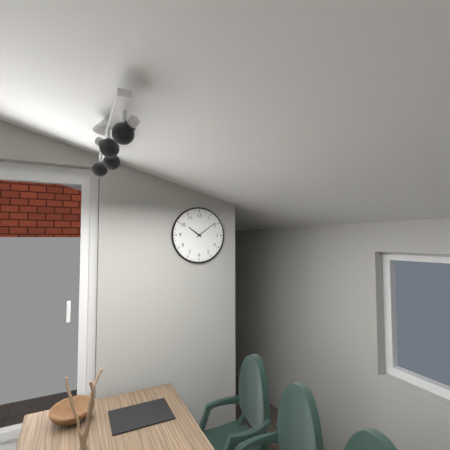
{"hour": 10, "minute": 9}
